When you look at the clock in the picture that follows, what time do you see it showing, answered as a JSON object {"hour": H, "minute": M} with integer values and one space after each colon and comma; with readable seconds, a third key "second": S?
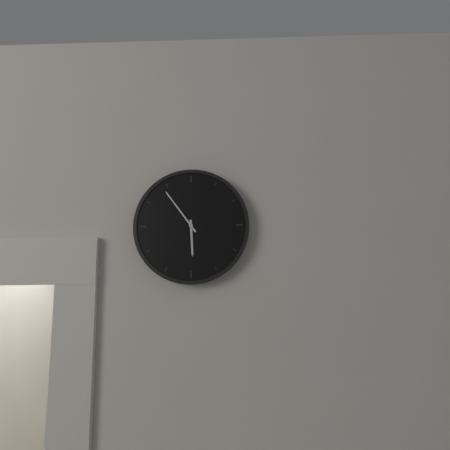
{"hour": 5, "minute": 54}
